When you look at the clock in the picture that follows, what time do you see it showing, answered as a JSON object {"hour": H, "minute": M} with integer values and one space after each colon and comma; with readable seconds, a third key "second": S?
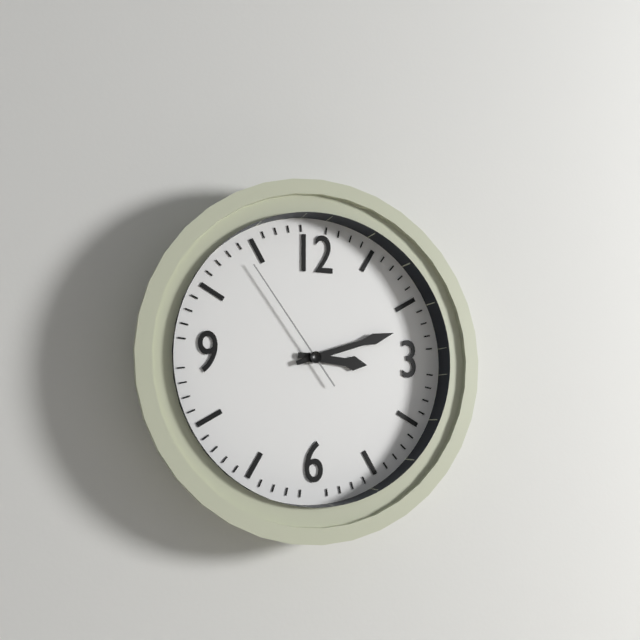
{"hour": 3, "minute": 12, "second": 54}
